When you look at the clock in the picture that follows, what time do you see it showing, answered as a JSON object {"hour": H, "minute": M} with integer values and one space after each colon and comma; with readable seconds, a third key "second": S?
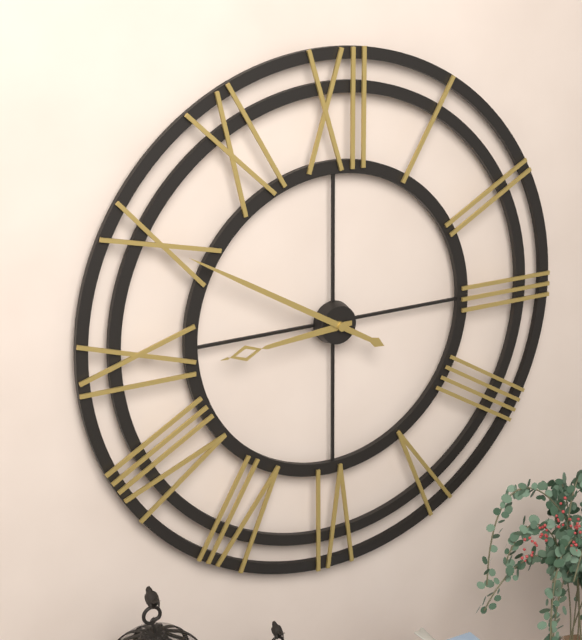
{"hour": 8, "minute": 50}
